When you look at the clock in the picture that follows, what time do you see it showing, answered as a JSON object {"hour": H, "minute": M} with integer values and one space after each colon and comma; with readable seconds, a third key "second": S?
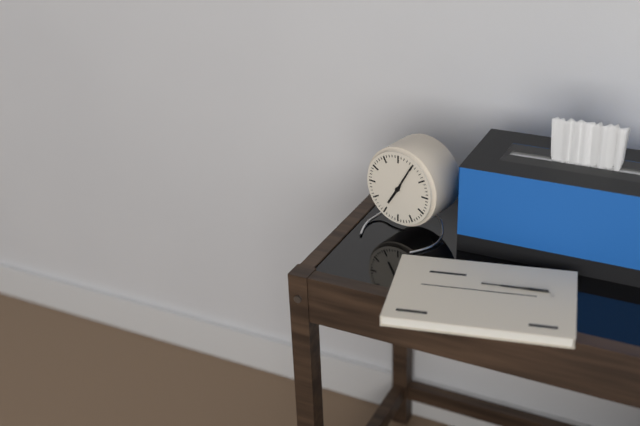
{"hour": 7, "minute": 5}
